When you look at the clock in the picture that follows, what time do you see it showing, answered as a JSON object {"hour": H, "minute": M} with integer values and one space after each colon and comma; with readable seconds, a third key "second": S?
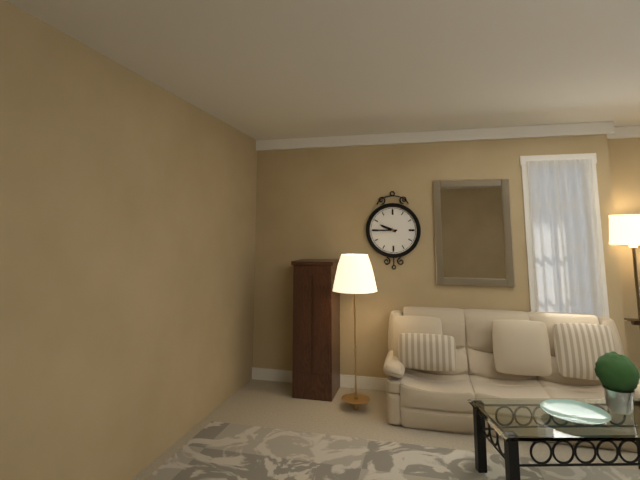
{"hour": 9, "minute": 45}
